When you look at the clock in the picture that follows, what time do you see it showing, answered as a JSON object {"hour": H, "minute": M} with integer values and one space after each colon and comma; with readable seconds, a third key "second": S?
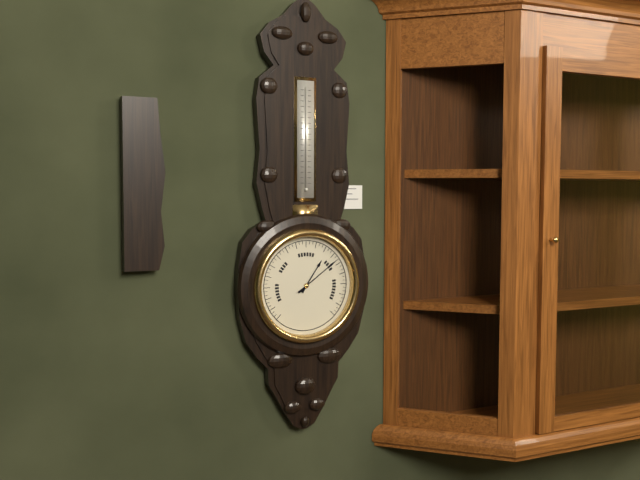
{"hour": 1, "minute": 9}
